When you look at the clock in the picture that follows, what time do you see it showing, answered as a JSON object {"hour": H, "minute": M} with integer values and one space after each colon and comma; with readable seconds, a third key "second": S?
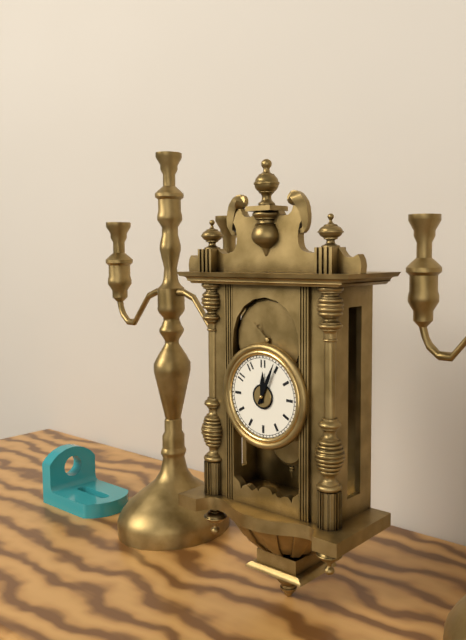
{"hour": 12, "minute": 4}
